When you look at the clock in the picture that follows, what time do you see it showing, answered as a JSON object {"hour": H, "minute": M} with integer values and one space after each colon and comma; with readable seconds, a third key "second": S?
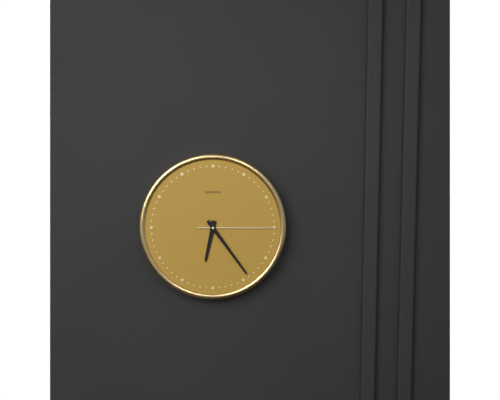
{"hour": 6, "minute": 24, "second": 15}
